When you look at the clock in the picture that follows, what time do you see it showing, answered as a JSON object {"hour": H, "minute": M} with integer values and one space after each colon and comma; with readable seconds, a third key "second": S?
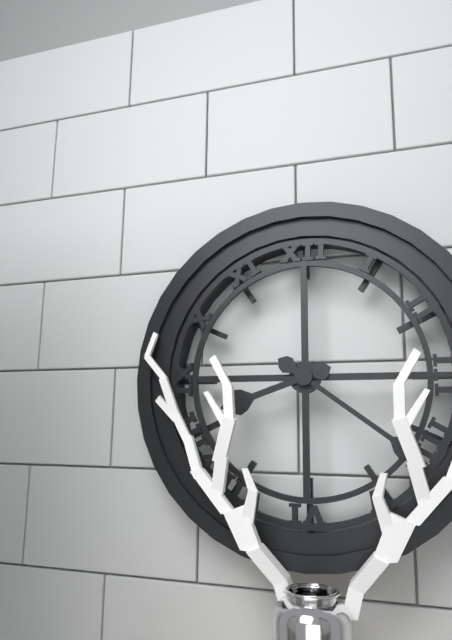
{"hour": 8, "minute": 21}
